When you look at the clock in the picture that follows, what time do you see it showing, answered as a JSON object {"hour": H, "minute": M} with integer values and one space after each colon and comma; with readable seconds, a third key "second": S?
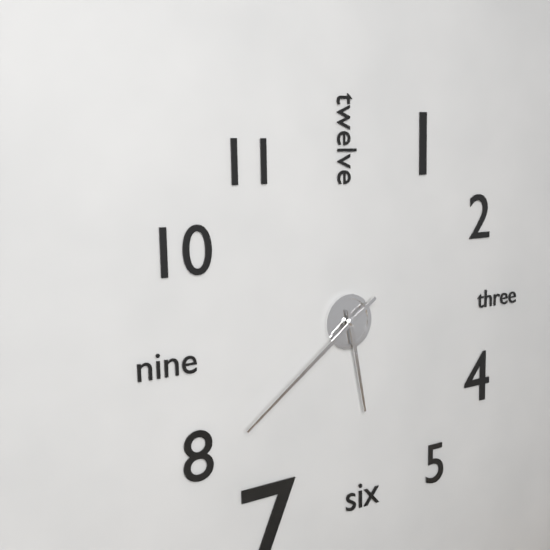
{"hour": 5, "minute": 39}
